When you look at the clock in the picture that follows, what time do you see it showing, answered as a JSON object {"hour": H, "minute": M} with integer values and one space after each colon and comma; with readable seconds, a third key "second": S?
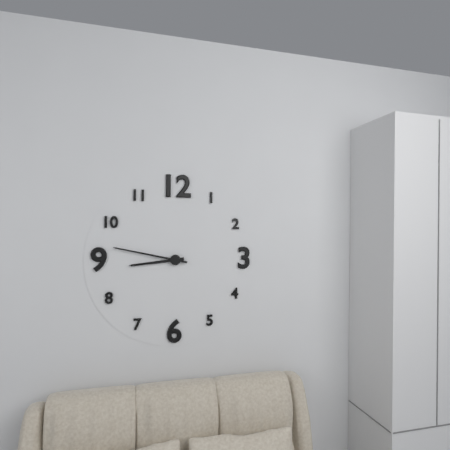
{"hour": 8, "minute": 47}
